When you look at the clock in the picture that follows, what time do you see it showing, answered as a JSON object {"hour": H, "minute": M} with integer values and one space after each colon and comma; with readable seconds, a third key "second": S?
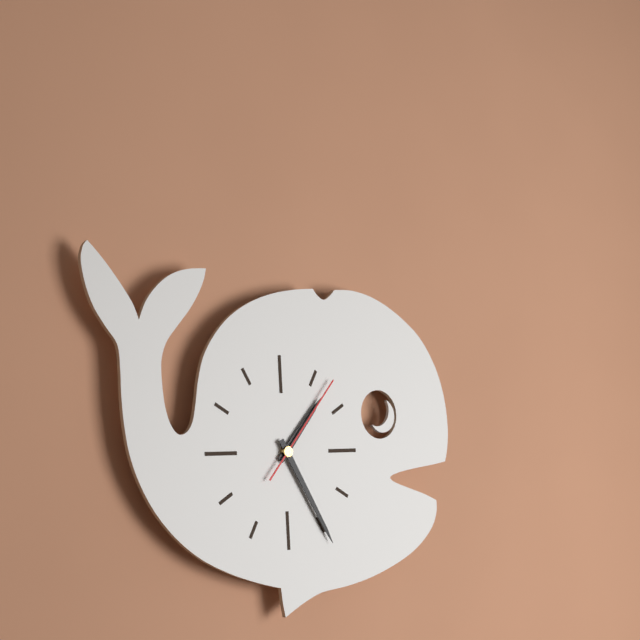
{"hour": 1, "minute": 25, "second": 7}
